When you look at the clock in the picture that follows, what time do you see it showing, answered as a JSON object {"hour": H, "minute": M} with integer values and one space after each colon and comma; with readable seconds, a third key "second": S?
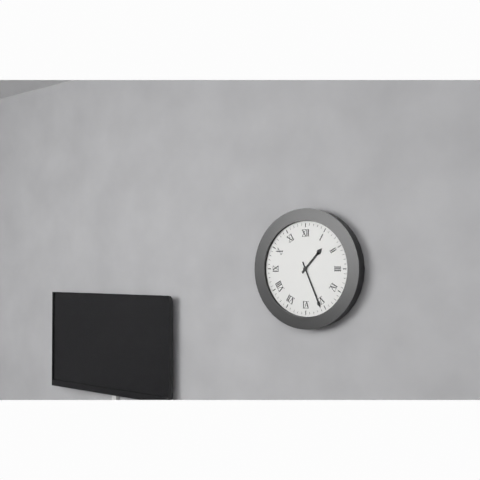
{"hour": 1, "minute": 26}
